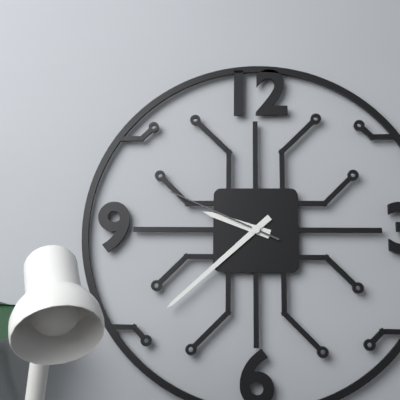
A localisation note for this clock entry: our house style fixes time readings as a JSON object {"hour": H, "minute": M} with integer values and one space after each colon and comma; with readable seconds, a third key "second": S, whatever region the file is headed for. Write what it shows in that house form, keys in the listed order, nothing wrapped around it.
{"hour": 9, "minute": 38, "second": 49}
